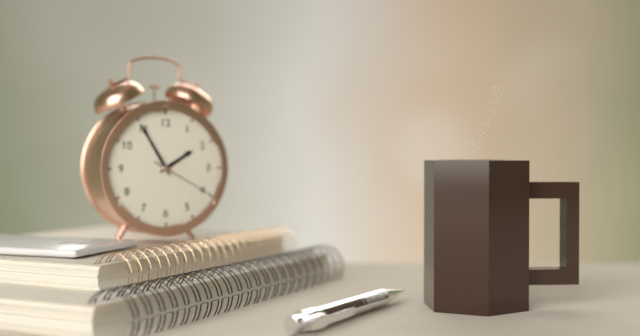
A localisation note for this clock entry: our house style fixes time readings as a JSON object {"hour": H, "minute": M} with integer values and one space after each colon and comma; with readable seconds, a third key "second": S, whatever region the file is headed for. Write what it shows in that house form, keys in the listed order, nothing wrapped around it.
{"hour": 1, "minute": 55, "second": 20}
